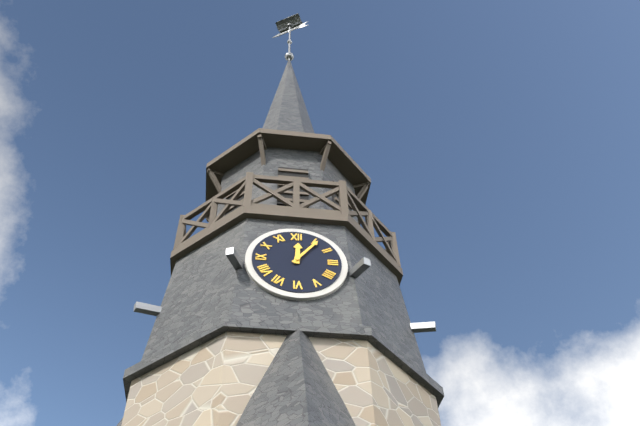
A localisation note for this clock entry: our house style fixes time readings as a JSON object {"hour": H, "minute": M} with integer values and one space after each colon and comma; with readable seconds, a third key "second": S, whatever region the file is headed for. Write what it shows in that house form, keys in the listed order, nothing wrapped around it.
{"hour": 12, "minute": 6}
